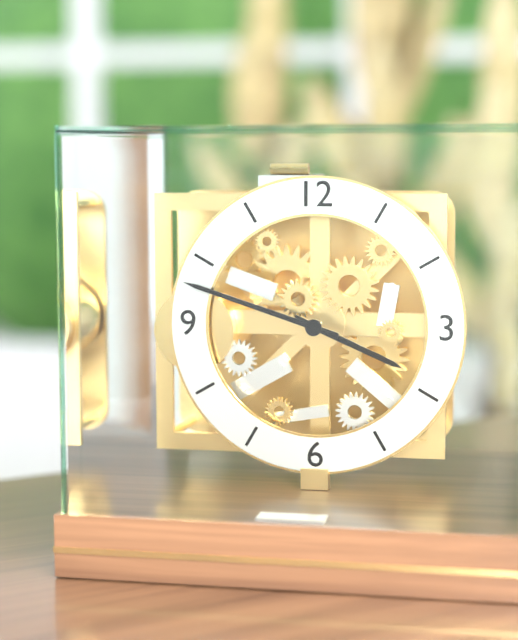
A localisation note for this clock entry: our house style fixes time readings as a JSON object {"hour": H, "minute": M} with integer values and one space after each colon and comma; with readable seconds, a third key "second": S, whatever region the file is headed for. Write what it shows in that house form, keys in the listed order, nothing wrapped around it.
{"hour": 3, "minute": 48}
